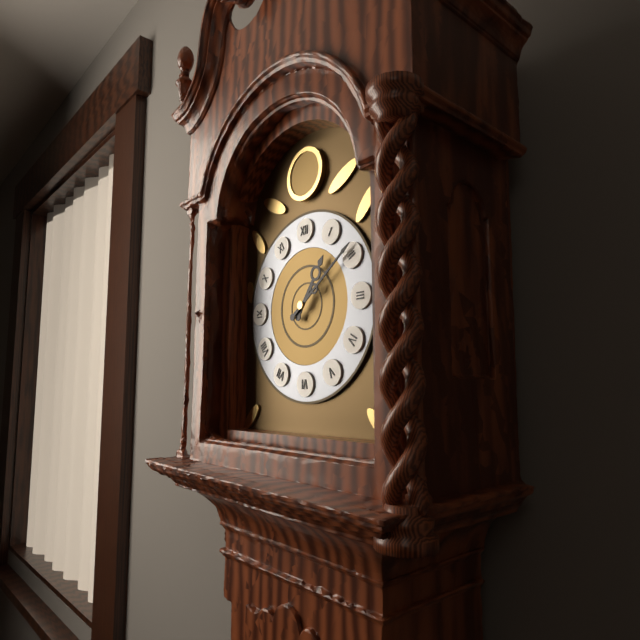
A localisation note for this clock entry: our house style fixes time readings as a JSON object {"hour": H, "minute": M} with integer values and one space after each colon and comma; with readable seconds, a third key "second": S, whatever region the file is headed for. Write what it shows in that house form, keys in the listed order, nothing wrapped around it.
{"hour": 1, "minute": 9}
